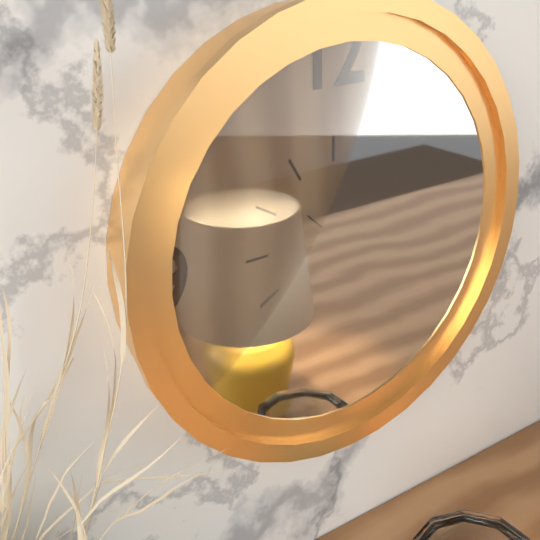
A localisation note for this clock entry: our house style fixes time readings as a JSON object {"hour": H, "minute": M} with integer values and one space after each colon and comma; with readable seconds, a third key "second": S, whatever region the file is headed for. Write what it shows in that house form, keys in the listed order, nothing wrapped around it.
{"hour": 3, "minute": 4, "second": 22}
